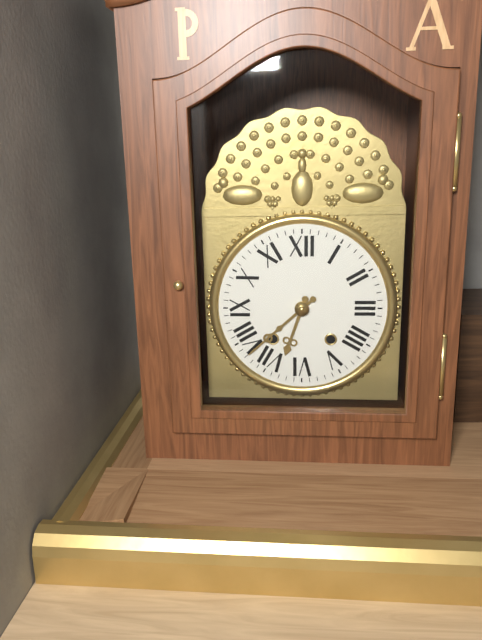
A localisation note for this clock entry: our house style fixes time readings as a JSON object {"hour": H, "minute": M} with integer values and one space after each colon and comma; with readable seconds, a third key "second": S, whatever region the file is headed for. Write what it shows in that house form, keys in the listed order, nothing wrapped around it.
{"hour": 6, "minute": 38}
